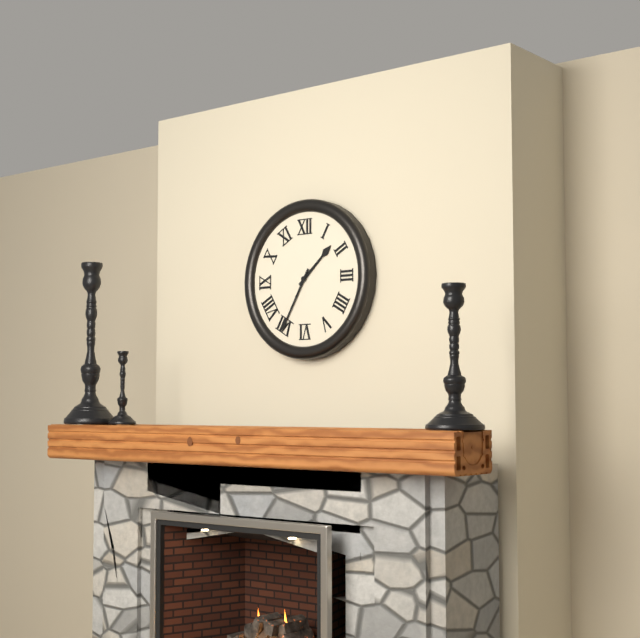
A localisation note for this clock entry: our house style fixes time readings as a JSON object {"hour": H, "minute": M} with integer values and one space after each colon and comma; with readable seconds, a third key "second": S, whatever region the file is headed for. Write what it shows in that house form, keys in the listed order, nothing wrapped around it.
{"hour": 1, "minute": 35}
